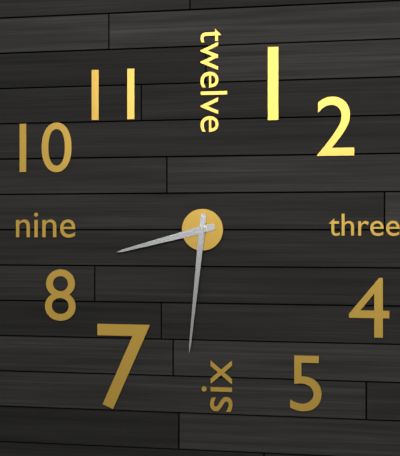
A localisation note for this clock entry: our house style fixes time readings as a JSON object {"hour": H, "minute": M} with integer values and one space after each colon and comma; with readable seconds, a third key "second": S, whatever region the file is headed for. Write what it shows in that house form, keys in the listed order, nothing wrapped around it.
{"hour": 8, "minute": 31}
